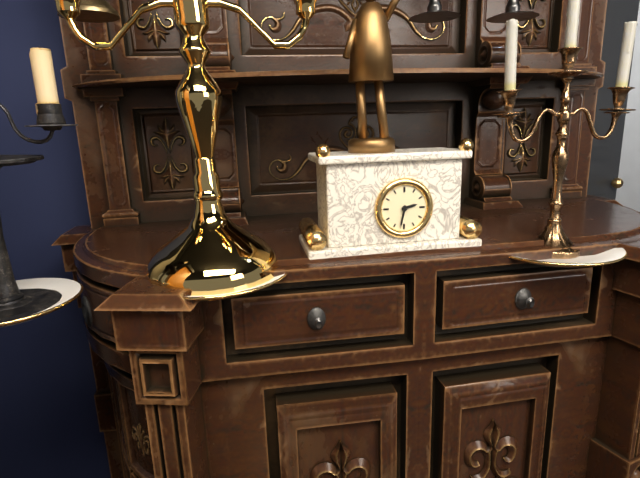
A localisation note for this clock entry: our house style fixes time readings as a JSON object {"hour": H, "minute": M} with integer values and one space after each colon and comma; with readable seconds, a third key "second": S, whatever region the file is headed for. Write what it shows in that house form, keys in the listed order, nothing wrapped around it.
{"hour": 2, "minute": 32}
